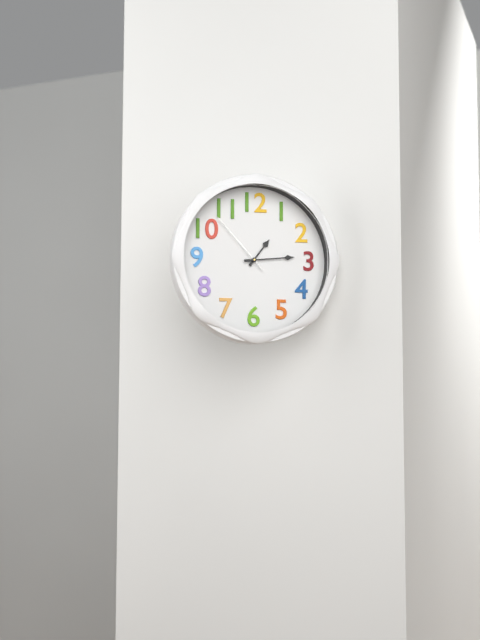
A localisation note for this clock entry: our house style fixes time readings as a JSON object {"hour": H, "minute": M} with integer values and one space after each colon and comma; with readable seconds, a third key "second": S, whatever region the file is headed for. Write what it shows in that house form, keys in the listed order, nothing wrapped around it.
{"hour": 1, "minute": 14, "second": 53}
